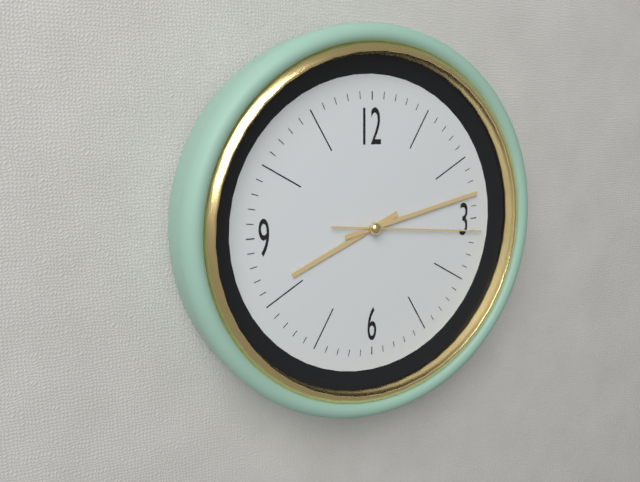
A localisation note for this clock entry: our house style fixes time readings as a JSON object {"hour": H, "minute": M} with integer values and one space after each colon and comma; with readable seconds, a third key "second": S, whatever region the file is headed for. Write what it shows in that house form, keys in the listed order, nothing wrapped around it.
{"hour": 8, "minute": 13, "second": 16}
